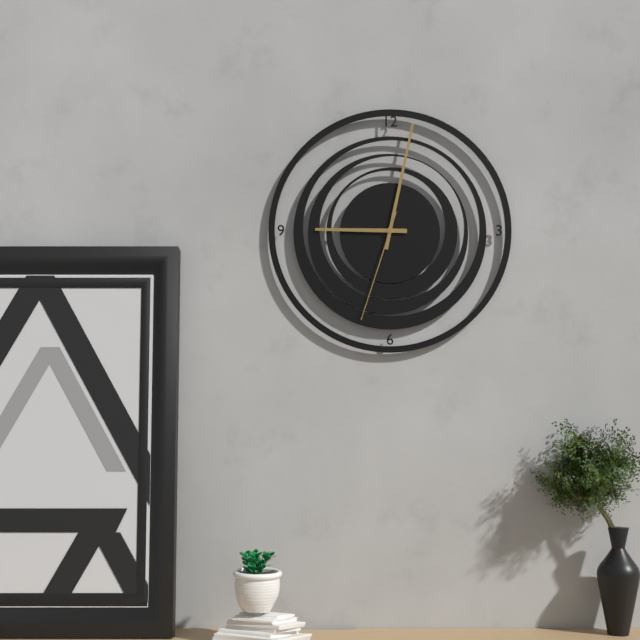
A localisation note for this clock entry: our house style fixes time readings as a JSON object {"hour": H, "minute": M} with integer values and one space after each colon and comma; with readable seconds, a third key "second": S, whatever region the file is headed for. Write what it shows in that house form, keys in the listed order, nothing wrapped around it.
{"hour": 9, "minute": 2, "second": 33}
